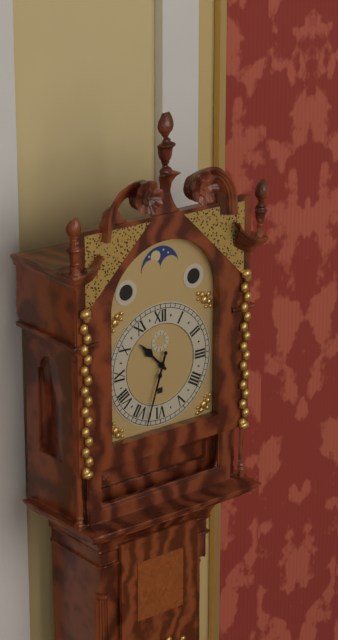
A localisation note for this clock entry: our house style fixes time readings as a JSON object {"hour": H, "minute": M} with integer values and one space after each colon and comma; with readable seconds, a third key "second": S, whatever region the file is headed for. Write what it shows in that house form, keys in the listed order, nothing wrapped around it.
{"hour": 10, "minute": 33}
